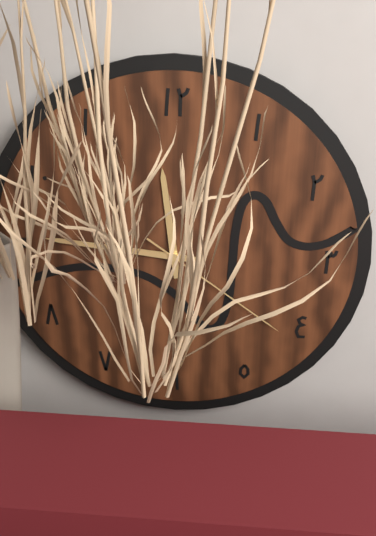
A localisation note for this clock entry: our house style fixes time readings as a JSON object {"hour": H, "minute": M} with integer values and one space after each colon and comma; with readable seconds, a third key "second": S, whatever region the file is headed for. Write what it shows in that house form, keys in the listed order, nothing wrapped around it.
{"hour": 11, "minute": 46, "second": 21}
